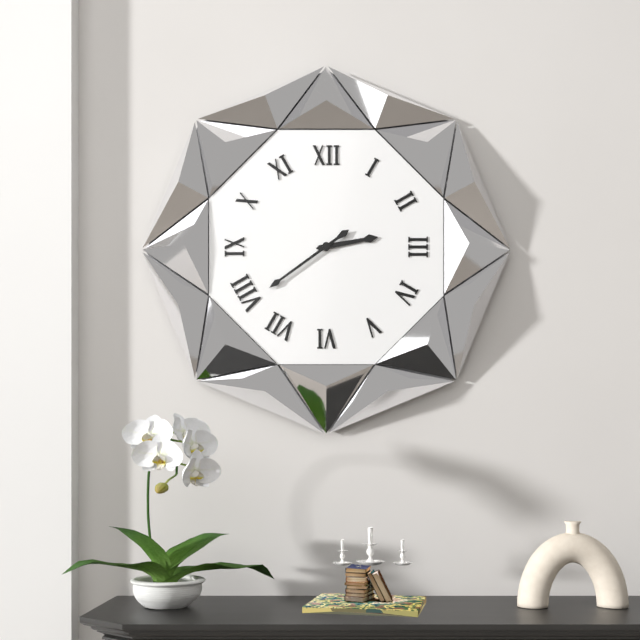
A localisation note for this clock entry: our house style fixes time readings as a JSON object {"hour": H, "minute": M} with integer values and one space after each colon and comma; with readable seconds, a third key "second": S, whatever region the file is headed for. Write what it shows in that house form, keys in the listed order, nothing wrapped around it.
{"hour": 2, "minute": 39}
